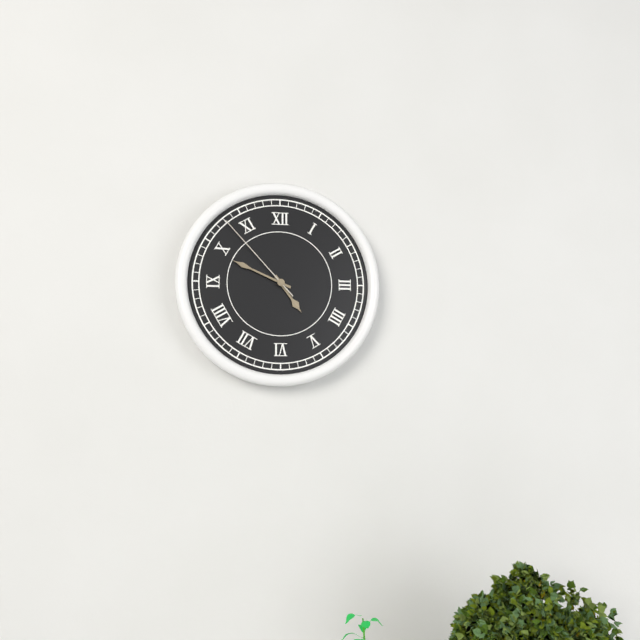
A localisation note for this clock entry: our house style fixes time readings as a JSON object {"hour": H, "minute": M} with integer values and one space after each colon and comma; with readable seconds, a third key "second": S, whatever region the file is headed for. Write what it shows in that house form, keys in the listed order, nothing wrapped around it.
{"hour": 4, "minute": 49, "second": 53}
